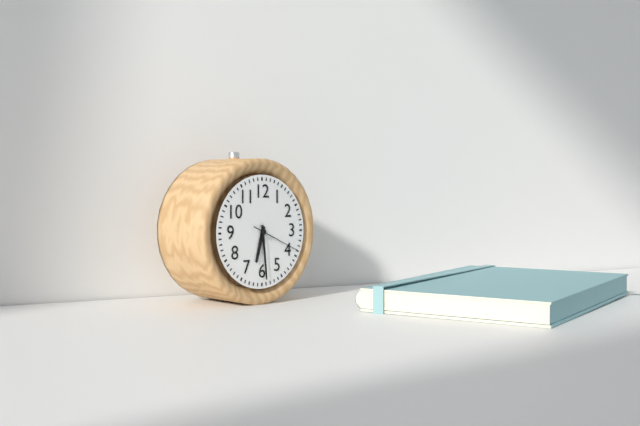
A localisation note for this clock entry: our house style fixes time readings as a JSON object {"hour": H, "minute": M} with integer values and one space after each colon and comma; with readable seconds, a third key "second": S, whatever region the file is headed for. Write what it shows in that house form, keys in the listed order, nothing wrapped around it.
{"hour": 6, "minute": 29, "second": 19}
